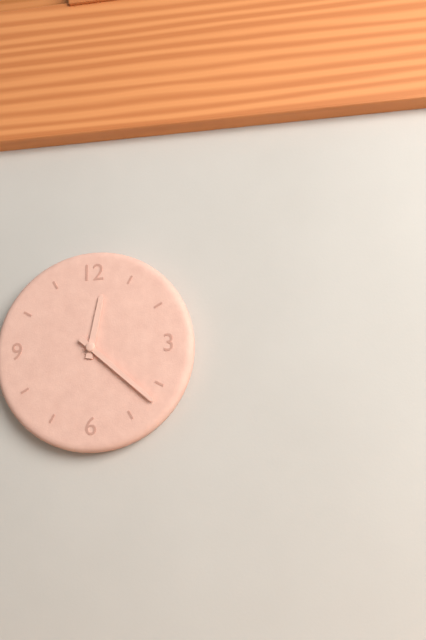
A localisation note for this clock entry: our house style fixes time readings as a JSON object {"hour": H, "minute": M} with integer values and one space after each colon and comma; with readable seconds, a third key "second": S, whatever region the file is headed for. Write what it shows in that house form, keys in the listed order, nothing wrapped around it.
{"hour": 12, "minute": 22}
